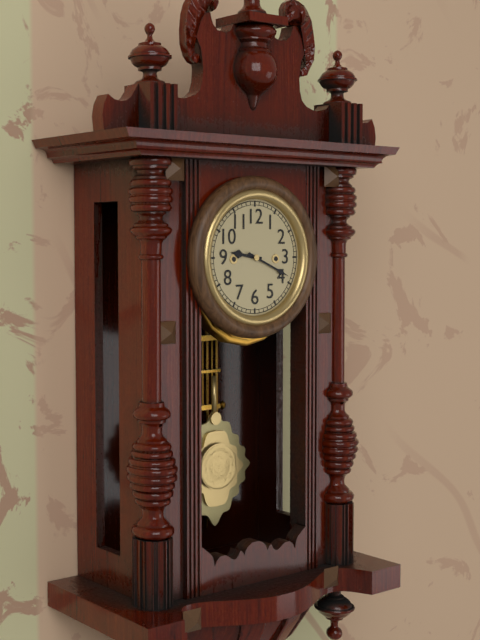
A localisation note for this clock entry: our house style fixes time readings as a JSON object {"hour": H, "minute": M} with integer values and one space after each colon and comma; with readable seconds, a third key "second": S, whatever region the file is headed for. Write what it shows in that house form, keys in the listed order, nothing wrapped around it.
{"hour": 9, "minute": 19}
